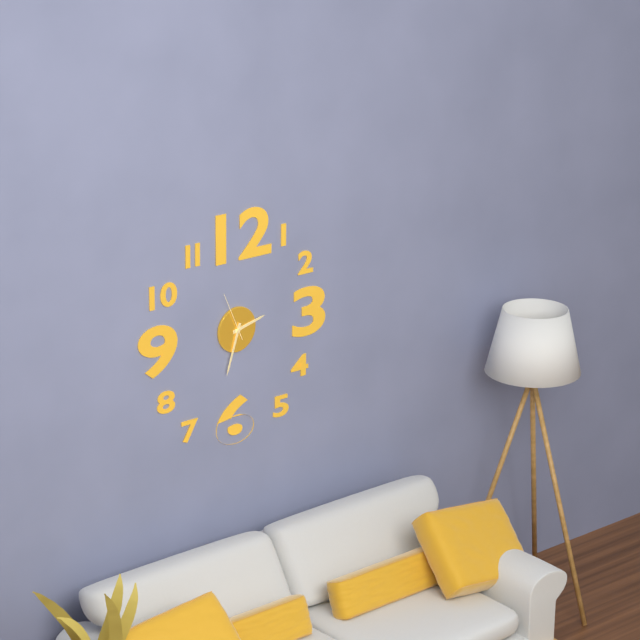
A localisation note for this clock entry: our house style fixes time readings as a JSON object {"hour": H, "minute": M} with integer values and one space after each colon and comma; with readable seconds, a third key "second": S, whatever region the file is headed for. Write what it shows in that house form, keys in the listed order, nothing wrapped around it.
{"hour": 2, "minute": 33}
